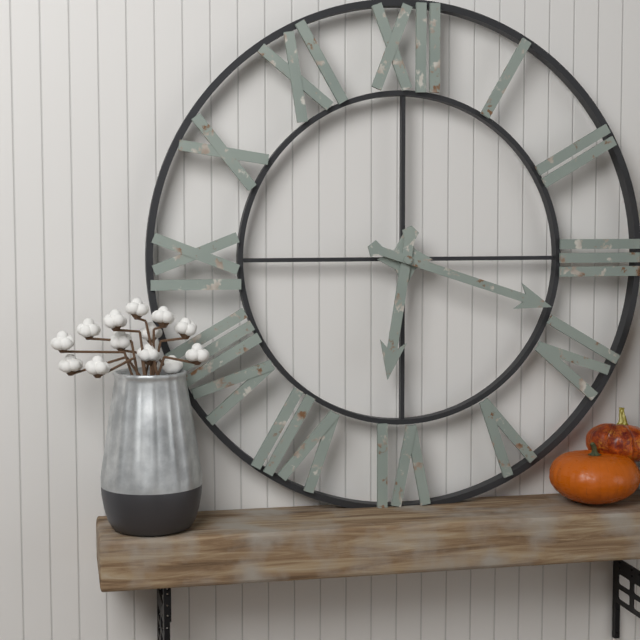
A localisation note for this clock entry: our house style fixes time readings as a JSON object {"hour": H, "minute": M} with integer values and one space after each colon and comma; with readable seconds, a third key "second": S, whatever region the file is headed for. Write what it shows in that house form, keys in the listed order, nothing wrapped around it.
{"hour": 6, "minute": 18}
